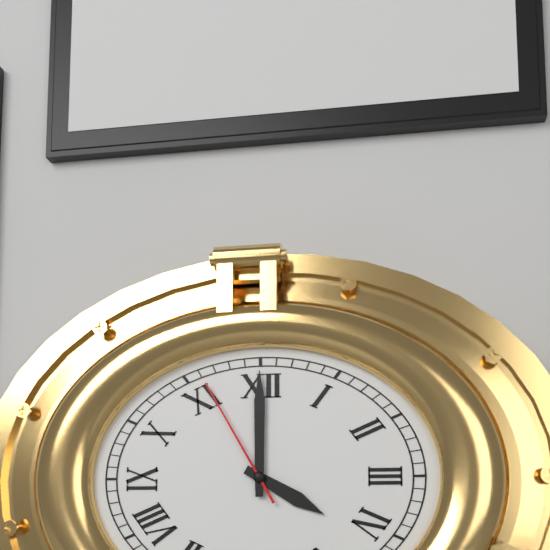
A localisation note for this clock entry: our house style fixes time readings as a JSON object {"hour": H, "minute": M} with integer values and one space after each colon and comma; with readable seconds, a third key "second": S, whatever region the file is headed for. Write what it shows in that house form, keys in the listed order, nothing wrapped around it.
{"hour": 4, "minute": 0, "second": 55}
